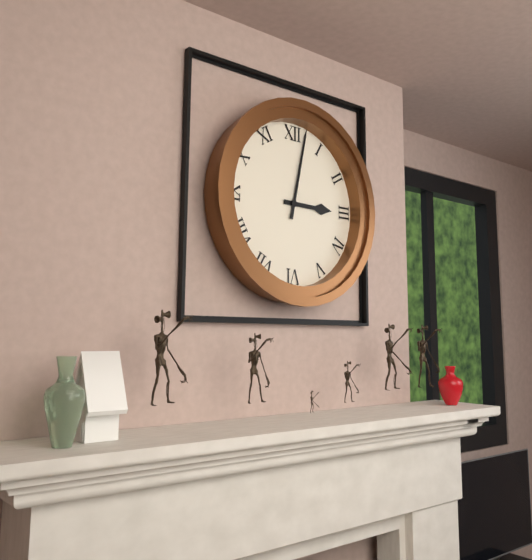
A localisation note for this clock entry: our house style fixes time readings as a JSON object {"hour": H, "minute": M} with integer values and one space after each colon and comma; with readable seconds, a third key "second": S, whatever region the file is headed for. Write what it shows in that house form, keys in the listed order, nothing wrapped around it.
{"hour": 3, "minute": 2}
